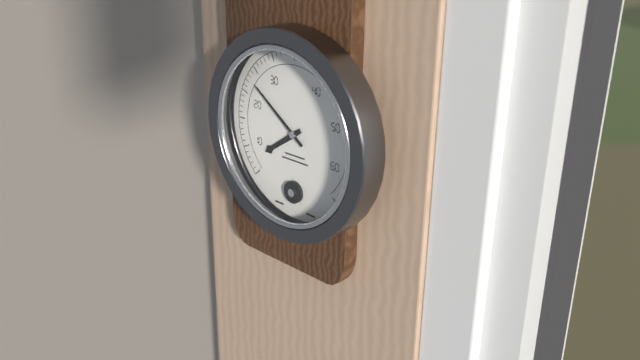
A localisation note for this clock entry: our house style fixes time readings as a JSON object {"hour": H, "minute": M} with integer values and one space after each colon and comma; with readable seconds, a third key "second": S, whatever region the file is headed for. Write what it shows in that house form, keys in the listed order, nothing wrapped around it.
{"hour": 7, "minute": 51}
